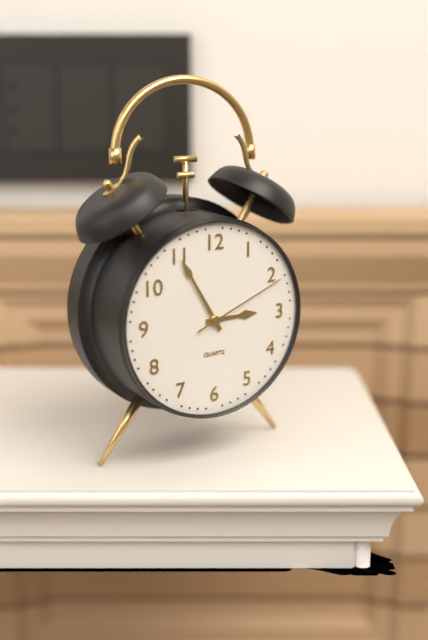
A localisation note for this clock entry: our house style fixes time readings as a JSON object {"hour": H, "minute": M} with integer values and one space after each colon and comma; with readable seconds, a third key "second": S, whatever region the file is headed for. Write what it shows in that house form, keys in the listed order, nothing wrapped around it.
{"hour": 2, "minute": 55, "second": 11}
